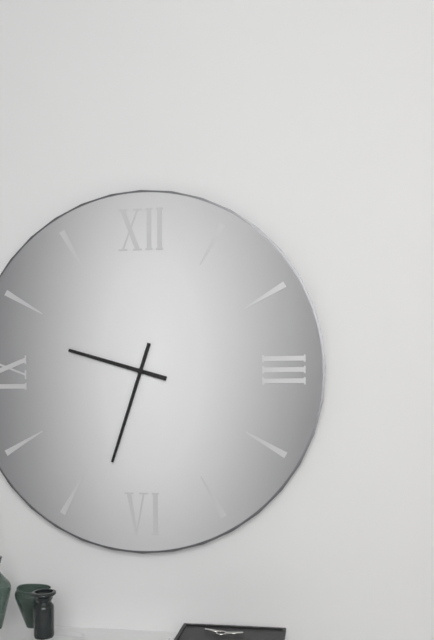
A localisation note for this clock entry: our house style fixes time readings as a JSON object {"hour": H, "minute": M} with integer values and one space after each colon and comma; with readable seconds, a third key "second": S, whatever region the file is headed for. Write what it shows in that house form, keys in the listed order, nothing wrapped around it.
{"hour": 9, "minute": 33}
